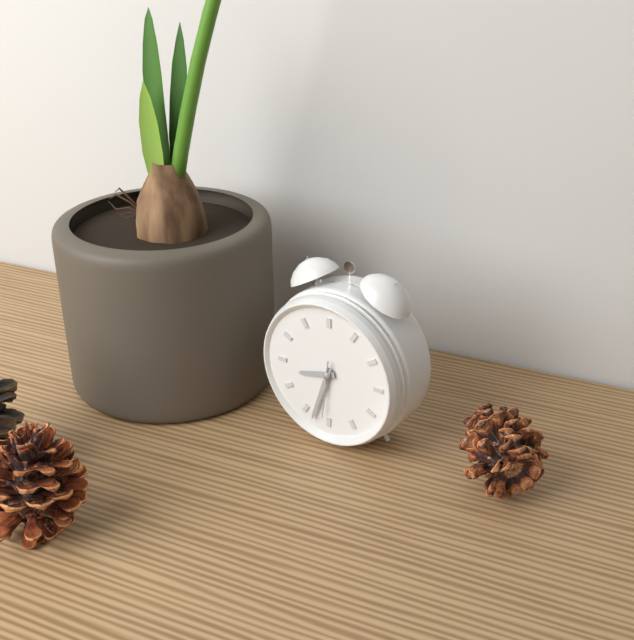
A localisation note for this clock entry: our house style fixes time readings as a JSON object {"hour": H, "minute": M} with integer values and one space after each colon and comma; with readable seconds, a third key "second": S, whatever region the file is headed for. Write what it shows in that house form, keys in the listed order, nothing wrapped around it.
{"hour": 8, "minute": 33, "second": 31}
